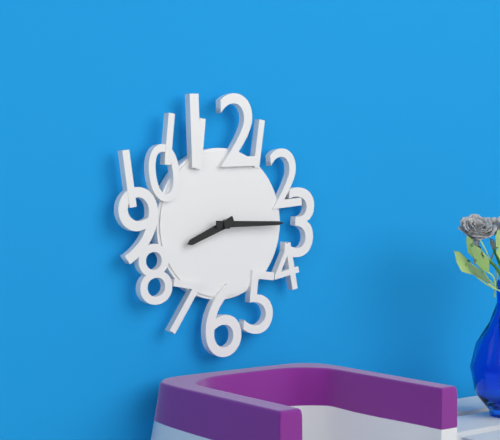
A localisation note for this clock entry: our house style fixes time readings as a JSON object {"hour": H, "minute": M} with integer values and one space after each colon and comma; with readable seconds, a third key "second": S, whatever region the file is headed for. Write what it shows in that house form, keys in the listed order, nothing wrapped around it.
{"hour": 8, "minute": 15}
